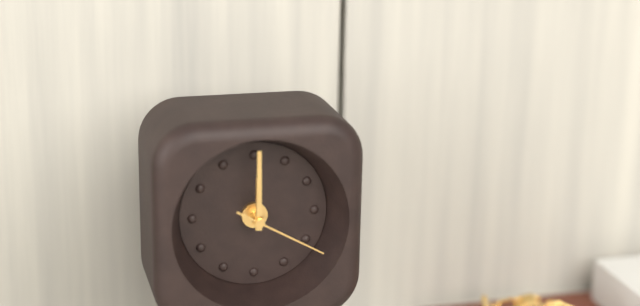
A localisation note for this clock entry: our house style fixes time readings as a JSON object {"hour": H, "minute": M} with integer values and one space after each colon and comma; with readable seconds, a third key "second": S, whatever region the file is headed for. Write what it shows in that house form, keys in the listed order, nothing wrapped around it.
{"hour": 12, "minute": 0, "second": 20}
